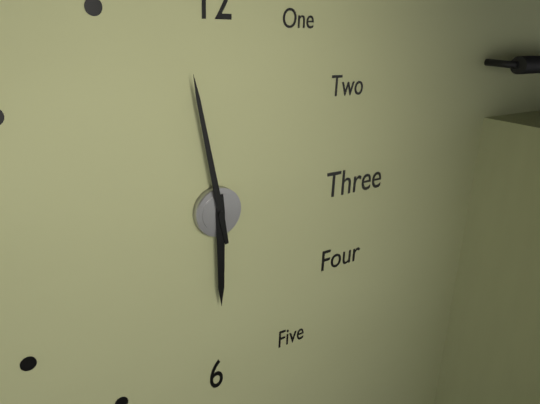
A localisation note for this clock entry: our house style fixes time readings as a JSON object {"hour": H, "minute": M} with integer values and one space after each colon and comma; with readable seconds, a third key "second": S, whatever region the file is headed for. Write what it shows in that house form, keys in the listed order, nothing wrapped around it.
{"hour": 5, "minute": 58}
